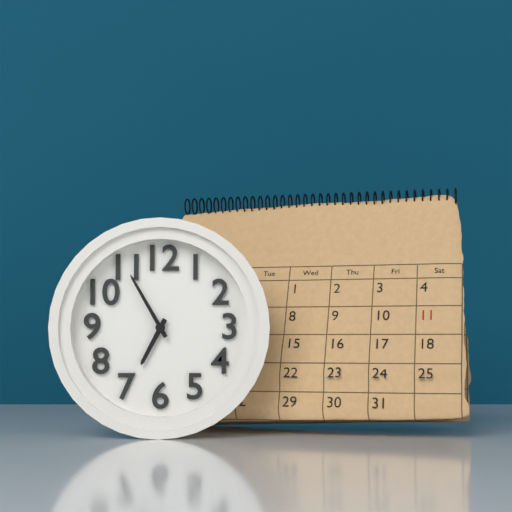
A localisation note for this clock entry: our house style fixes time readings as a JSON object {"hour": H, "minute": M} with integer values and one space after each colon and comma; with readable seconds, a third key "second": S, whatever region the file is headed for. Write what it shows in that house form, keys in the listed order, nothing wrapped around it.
{"hour": 6, "minute": 55}
